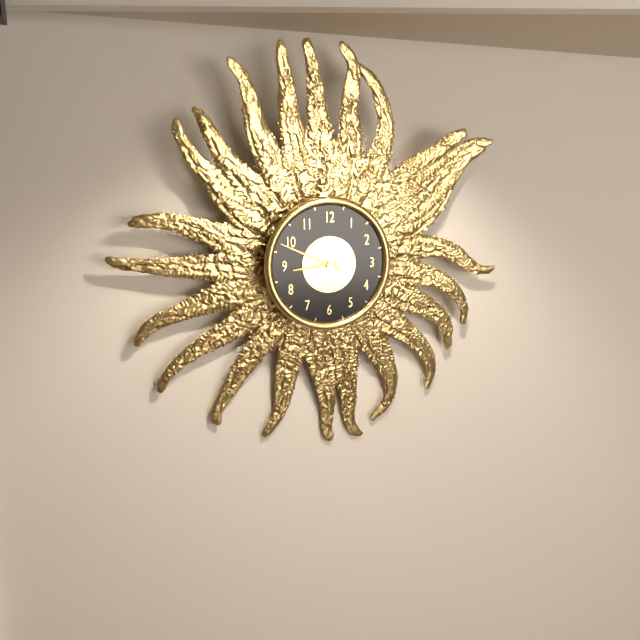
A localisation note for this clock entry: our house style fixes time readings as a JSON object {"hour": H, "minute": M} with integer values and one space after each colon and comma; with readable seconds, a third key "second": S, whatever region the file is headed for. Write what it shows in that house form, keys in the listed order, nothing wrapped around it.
{"hour": 8, "minute": 49}
